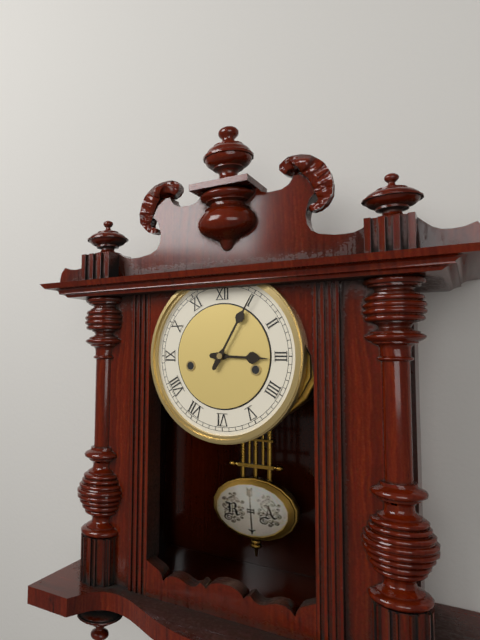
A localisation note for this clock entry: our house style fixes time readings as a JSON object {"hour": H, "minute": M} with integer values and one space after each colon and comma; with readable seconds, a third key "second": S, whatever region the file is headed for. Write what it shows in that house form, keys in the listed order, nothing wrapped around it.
{"hour": 3, "minute": 5}
